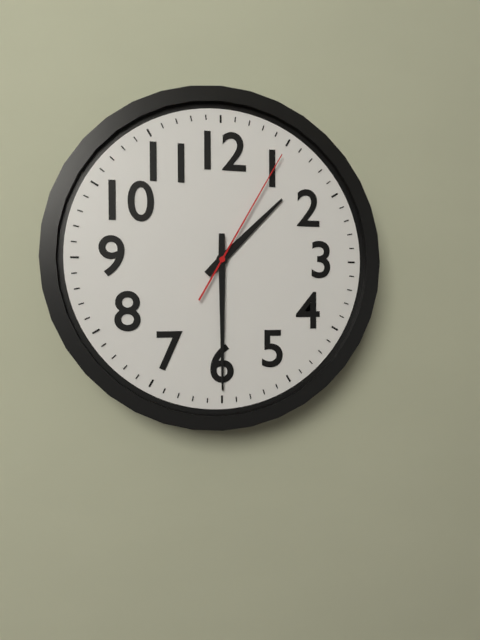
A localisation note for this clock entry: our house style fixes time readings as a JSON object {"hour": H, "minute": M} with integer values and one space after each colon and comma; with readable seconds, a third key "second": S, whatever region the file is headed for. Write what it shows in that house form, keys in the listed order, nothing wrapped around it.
{"hour": 1, "minute": 30, "second": 5}
